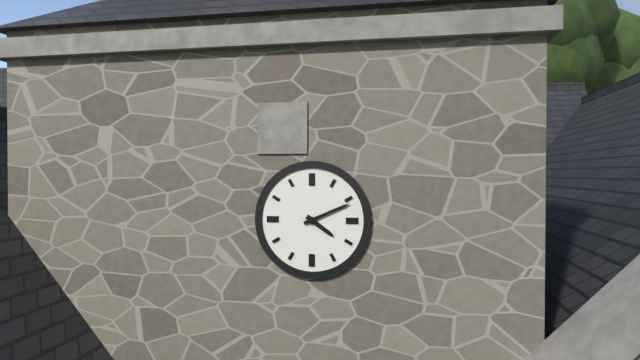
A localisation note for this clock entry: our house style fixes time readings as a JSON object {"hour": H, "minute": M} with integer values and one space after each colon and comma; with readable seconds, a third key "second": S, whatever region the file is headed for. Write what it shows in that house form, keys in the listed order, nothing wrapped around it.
{"hour": 4, "minute": 11}
